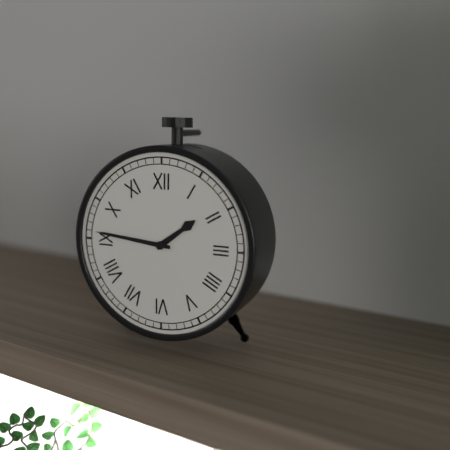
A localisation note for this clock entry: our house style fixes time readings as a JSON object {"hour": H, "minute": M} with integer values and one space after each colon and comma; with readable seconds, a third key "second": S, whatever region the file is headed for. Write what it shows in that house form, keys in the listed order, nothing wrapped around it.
{"hour": 1, "minute": 46}
